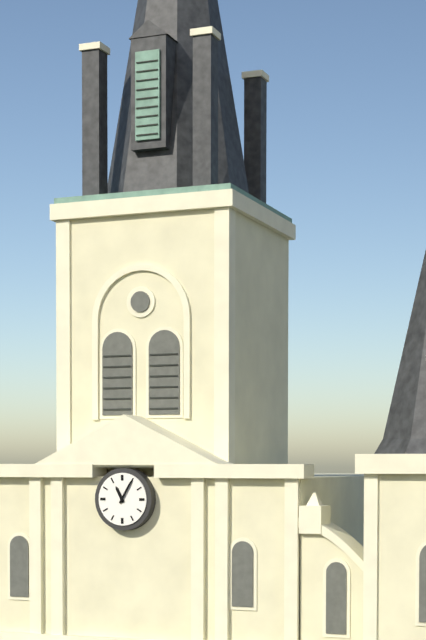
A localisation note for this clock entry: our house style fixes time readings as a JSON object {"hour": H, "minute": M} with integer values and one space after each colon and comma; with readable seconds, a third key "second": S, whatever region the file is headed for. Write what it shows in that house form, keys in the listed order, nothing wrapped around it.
{"hour": 11, "minute": 5}
